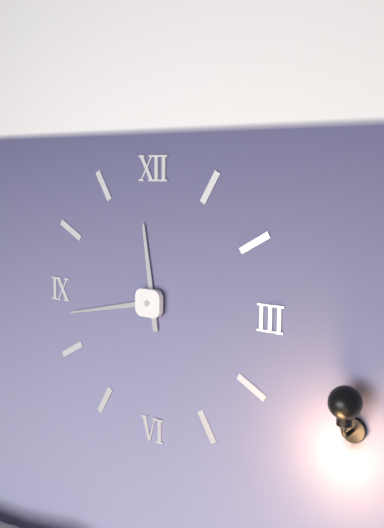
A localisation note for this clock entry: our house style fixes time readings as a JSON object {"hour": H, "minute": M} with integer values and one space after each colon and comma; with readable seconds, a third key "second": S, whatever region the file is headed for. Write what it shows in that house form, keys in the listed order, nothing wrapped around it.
{"hour": 11, "minute": 43}
